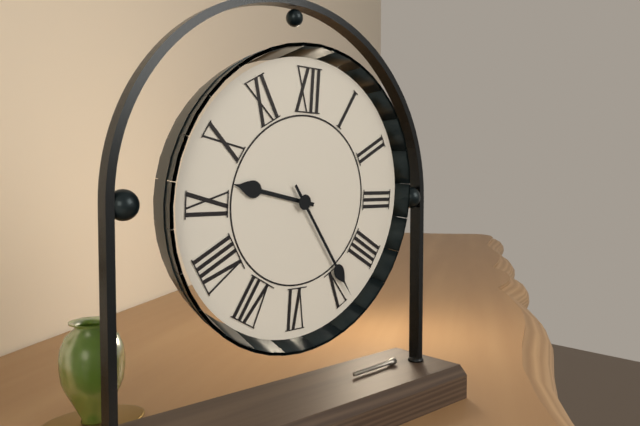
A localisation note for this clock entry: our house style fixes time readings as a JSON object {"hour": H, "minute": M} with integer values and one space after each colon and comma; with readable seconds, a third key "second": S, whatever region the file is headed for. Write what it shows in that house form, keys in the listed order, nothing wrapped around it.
{"hour": 9, "minute": 24}
